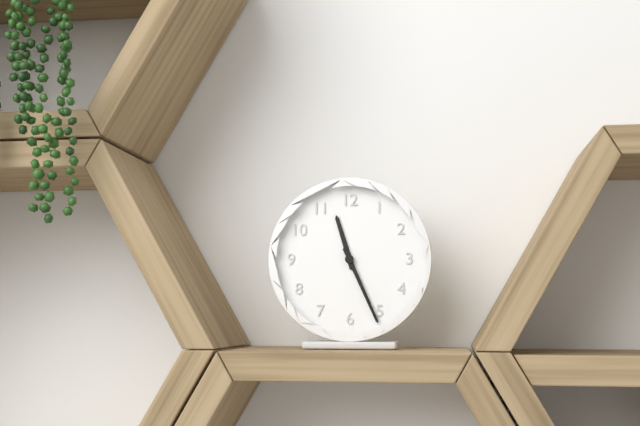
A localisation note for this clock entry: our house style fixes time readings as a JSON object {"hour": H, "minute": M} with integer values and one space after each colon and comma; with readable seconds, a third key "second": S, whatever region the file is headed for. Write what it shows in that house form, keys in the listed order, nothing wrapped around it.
{"hour": 11, "minute": 26}
